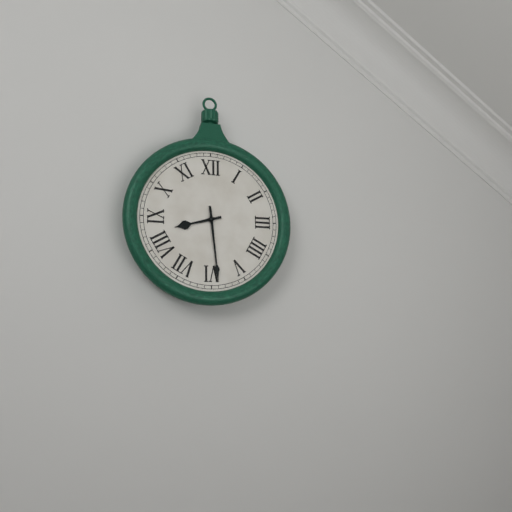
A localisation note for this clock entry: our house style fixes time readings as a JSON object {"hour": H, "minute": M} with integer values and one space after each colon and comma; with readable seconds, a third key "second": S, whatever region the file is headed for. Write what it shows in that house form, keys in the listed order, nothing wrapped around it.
{"hour": 8, "minute": 29}
